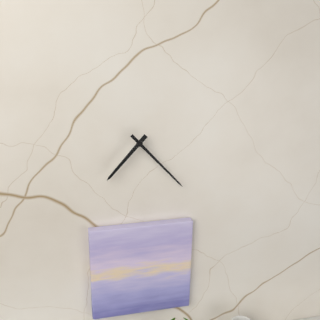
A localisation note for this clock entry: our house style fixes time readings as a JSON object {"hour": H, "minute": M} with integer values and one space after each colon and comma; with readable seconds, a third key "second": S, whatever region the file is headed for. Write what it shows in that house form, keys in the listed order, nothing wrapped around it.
{"hour": 7, "minute": 23}
